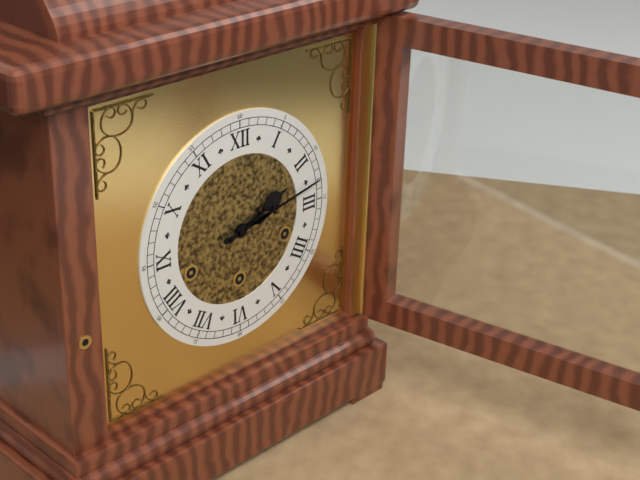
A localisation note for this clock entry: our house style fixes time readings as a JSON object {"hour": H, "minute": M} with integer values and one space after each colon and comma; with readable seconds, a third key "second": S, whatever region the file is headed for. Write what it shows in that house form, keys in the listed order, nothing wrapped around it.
{"hour": 2, "minute": 13}
